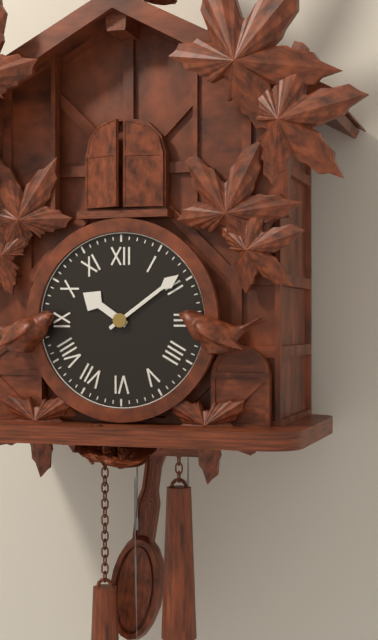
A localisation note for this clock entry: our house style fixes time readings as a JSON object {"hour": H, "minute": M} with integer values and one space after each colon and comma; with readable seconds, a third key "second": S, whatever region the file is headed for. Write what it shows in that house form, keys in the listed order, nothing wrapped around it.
{"hour": 10, "minute": 9}
